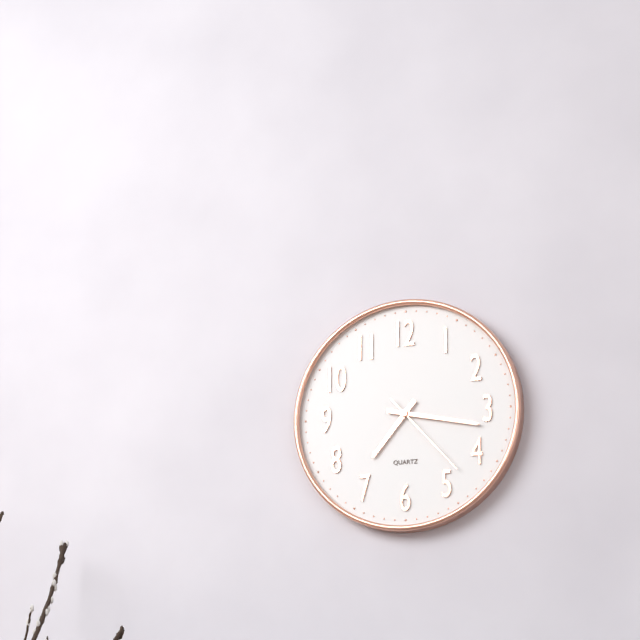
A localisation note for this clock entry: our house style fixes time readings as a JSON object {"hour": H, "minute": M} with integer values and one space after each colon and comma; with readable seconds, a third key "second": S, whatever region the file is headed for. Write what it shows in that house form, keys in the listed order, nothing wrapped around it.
{"hour": 7, "minute": 17, "second": 23}
